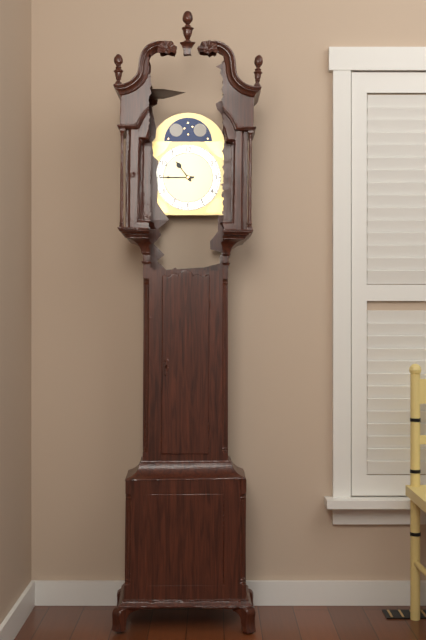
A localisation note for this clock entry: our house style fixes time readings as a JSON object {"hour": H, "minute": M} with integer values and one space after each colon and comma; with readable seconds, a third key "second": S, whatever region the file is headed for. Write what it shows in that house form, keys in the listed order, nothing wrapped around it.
{"hour": 10, "minute": 45}
